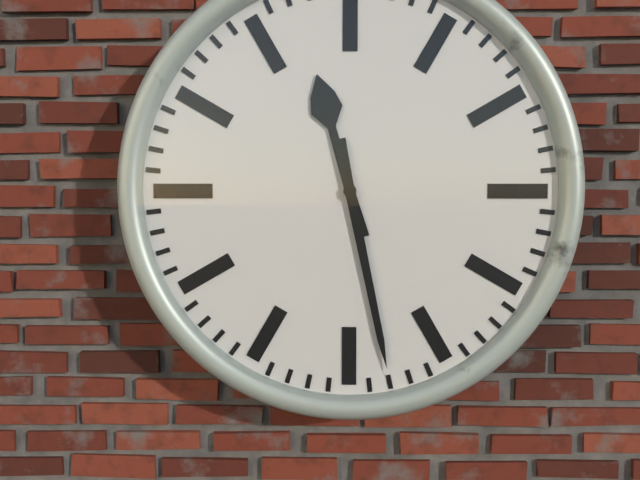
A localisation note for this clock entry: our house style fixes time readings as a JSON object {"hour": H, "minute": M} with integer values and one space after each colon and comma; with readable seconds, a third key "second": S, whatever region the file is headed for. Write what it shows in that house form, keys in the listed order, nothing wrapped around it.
{"hour": 11, "minute": 28}
